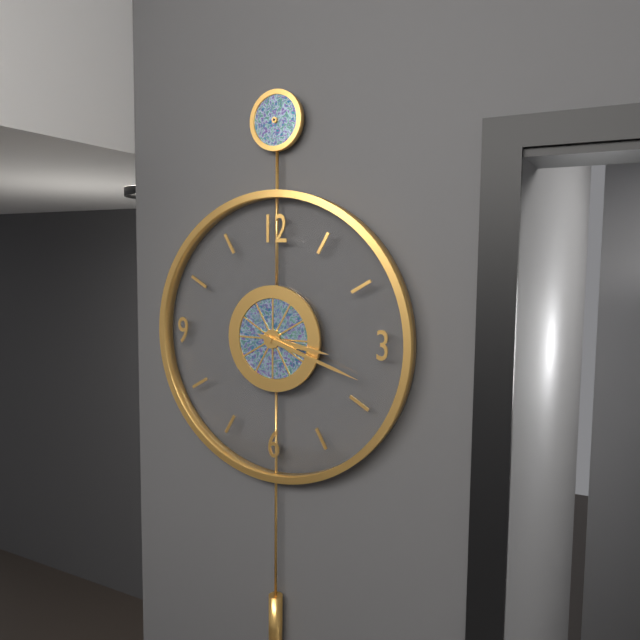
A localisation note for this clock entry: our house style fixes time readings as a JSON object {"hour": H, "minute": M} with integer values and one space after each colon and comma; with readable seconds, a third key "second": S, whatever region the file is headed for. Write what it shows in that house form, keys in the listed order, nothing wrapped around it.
{"hour": 3, "minute": 18}
